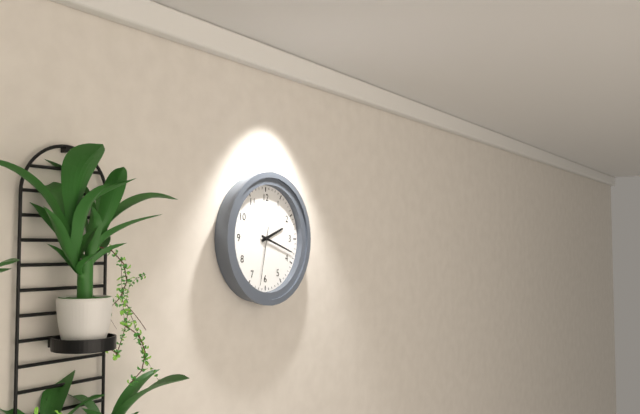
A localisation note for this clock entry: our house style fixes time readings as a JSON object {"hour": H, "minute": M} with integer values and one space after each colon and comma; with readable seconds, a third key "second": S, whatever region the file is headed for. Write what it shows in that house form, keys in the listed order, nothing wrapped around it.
{"hour": 2, "minute": 18, "second": 32}
